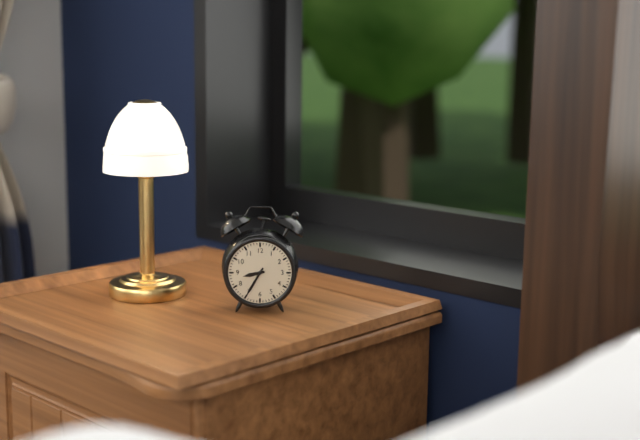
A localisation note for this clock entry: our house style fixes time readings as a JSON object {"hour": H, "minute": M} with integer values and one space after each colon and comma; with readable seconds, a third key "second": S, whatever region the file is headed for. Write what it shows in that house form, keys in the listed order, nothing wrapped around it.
{"hour": 8, "minute": 35}
